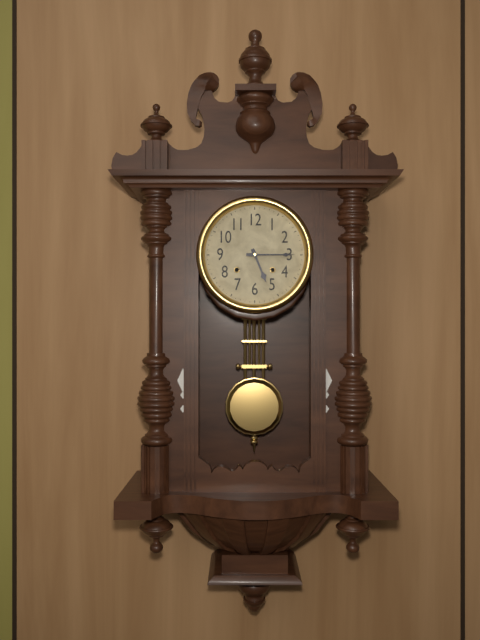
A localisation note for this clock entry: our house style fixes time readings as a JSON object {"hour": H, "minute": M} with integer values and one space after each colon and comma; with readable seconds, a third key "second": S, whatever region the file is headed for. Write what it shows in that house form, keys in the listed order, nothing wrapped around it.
{"hour": 5, "minute": 15}
